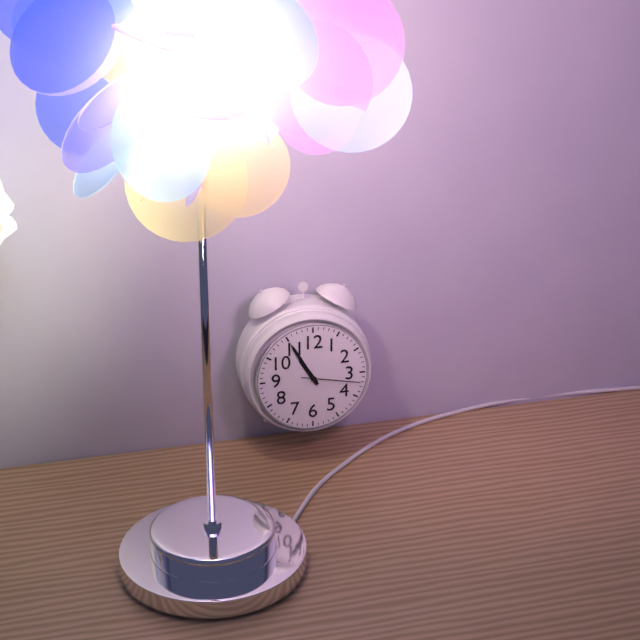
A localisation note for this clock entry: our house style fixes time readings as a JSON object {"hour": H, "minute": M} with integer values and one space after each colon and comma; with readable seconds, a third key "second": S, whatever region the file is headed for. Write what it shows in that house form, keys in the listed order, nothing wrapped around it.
{"hour": 10, "minute": 55, "second": 17}
